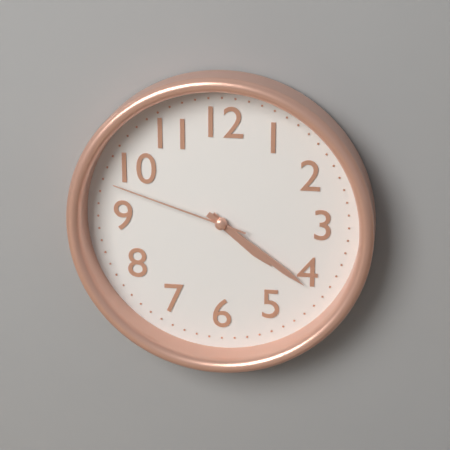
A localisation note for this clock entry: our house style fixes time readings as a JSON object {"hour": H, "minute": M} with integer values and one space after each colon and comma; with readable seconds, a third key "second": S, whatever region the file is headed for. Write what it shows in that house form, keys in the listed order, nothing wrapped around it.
{"hour": 4, "minute": 21, "second": 48}
